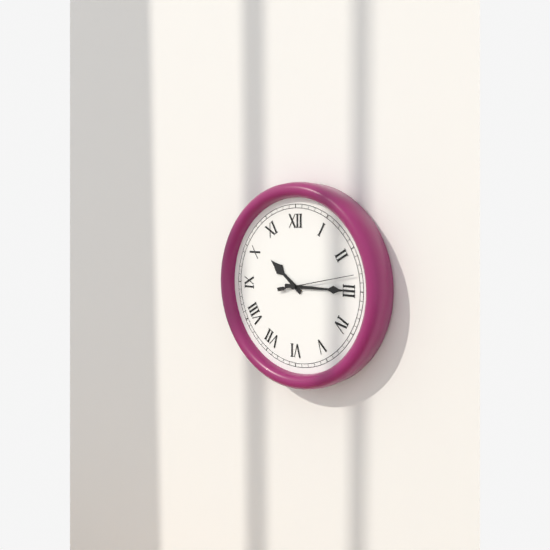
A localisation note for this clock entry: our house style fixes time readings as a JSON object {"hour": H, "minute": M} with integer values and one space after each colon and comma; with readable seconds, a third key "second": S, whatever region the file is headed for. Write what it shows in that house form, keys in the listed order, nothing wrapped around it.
{"hour": 10, "minute": 15, "second": 13}
